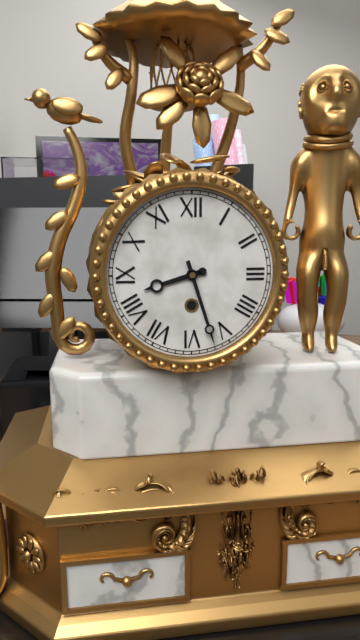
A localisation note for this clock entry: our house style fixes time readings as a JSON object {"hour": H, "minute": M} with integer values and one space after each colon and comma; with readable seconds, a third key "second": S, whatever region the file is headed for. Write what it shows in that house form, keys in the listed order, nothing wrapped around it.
{"hour": 8, "minute": 27}
